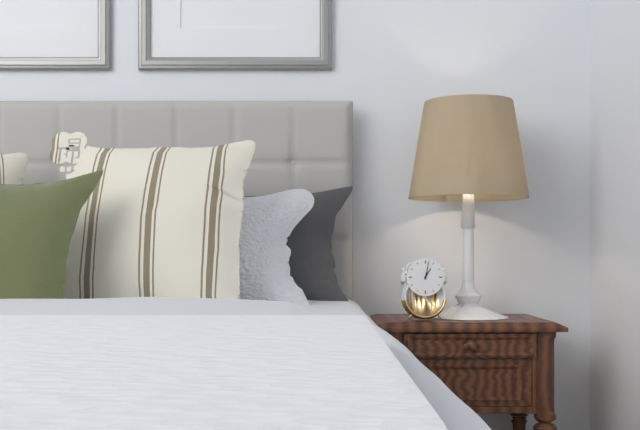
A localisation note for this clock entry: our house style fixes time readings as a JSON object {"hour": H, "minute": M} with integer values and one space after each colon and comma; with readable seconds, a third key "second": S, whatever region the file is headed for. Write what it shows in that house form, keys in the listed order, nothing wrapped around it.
{"hour": 1, "minute": 2}
